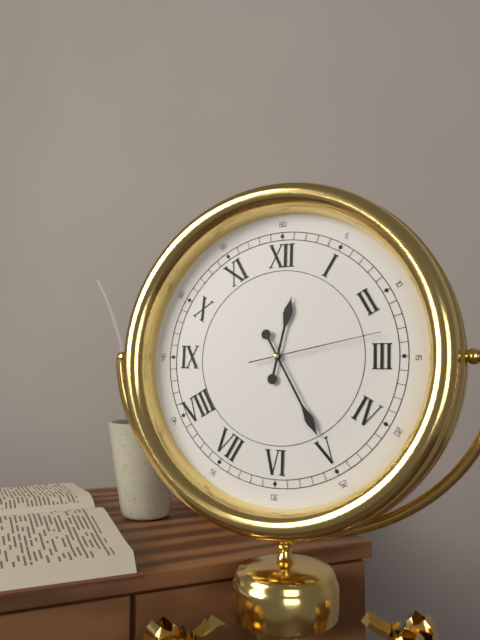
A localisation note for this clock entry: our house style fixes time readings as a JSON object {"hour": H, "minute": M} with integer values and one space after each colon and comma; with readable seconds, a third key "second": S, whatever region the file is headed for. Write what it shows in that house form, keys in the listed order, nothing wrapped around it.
{"hour": 12, "minute": 25, "second": 13}
